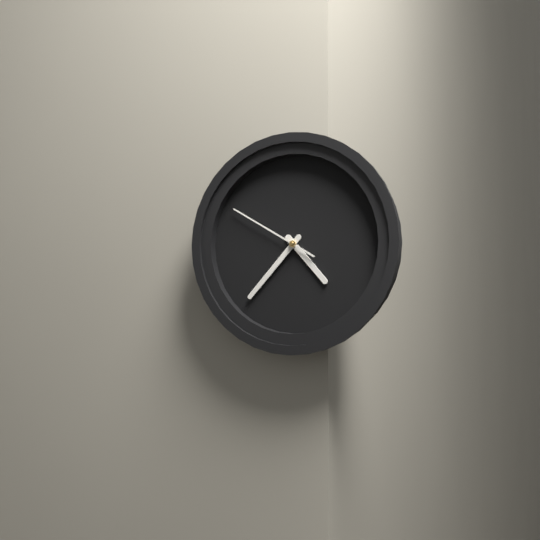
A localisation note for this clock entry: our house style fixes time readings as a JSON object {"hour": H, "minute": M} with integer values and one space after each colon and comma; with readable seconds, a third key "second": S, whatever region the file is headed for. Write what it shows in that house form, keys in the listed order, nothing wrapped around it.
{"hour": 4, "minute": 37, "second": 50}
